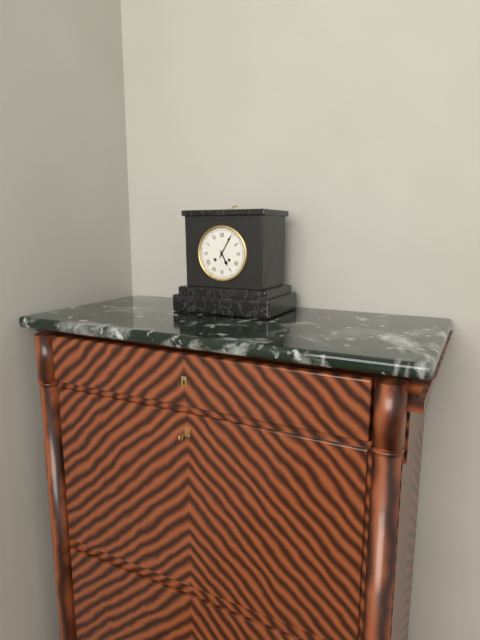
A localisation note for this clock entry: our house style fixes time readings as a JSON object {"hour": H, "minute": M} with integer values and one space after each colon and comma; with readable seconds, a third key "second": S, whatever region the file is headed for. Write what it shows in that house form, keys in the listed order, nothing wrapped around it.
{"hour": 5, "minute": 5}
